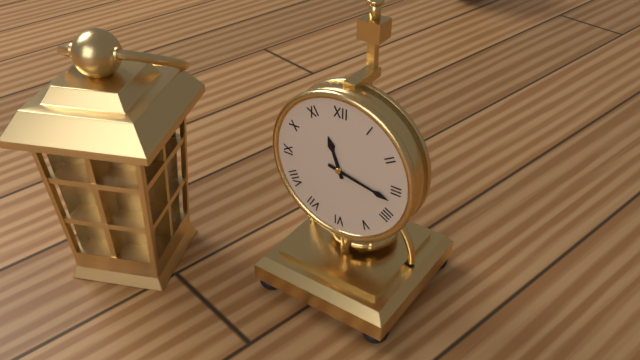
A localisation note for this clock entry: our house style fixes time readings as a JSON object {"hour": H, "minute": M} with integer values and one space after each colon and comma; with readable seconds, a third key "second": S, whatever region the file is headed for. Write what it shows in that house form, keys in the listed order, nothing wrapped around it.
{"hour": 11, "minute": 17}
